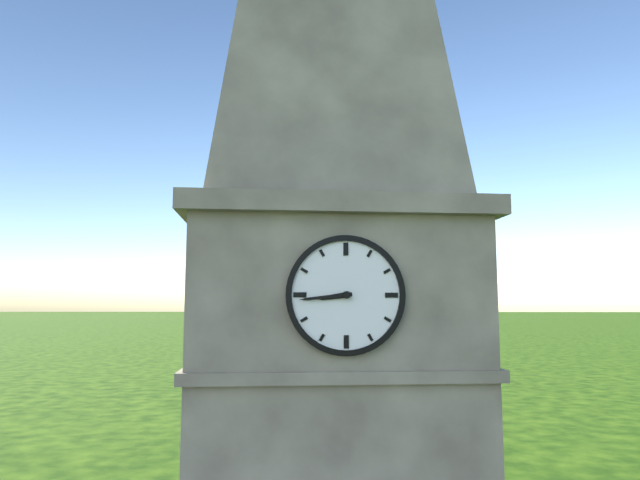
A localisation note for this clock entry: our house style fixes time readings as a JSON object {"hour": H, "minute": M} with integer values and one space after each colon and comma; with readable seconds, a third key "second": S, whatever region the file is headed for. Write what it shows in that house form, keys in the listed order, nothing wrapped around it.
{"hour": 8, "minute": 44}
